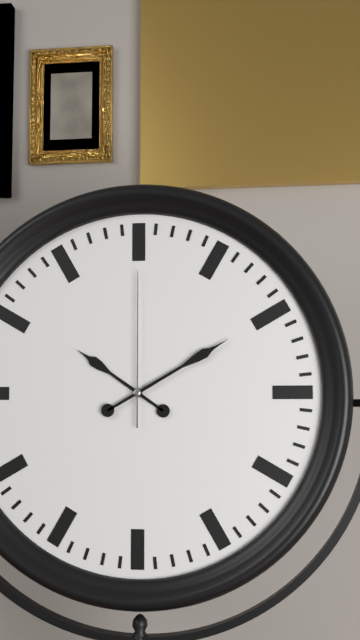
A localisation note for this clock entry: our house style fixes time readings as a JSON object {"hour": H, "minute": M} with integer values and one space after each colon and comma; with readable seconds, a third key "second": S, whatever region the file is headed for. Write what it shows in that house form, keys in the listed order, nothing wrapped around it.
{"hour": 10, "minute": 10, "second": 0}
